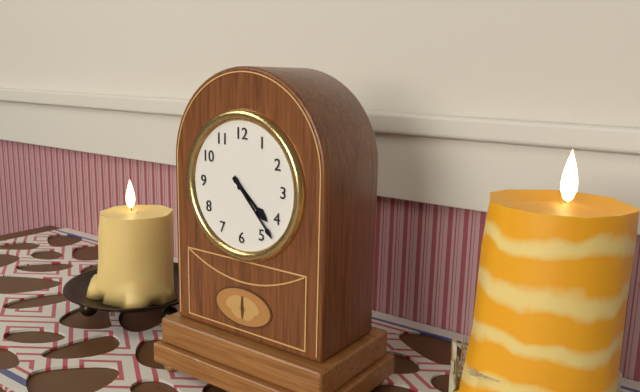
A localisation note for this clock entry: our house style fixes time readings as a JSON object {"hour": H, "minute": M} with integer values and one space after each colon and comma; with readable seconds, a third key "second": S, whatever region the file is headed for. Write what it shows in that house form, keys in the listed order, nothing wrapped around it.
{"hour": 4, "minute": 23}
